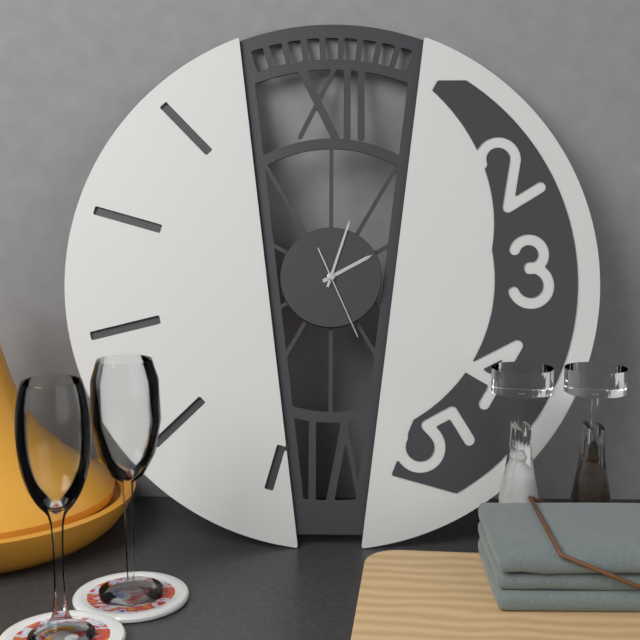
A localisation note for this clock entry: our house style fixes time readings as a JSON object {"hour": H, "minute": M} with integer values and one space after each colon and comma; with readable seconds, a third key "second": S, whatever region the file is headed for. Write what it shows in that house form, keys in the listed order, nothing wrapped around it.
{"hour": 2, "minute": 3, "second": 26}
